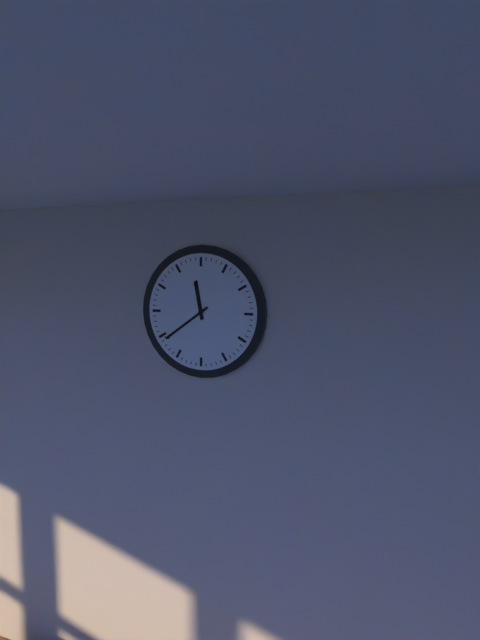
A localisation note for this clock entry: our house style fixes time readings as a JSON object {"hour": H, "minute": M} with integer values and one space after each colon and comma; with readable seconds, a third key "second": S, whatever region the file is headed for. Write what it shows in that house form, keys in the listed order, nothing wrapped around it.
{"hour": 11, "minute": 39}
